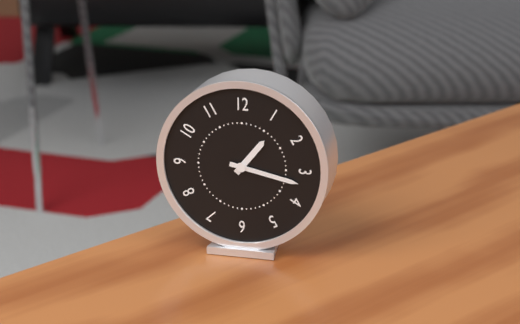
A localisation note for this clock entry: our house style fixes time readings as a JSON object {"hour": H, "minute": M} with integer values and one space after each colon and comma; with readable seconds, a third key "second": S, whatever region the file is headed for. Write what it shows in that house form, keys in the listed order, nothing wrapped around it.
{"hour": 1, "minute": 17}
